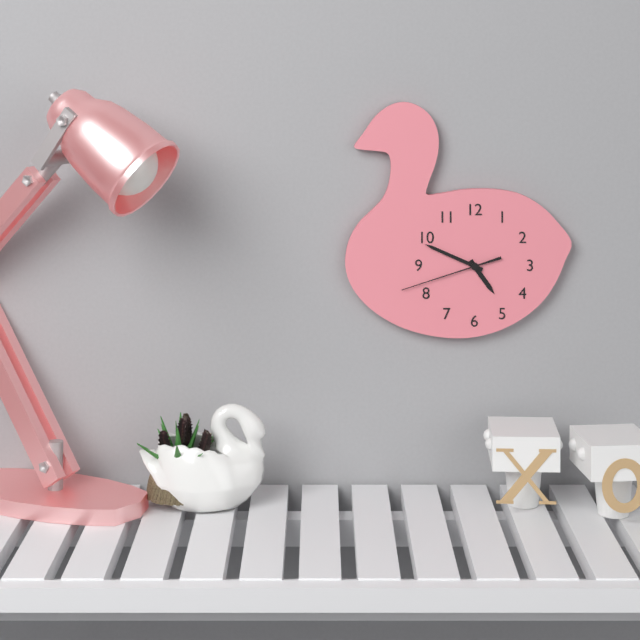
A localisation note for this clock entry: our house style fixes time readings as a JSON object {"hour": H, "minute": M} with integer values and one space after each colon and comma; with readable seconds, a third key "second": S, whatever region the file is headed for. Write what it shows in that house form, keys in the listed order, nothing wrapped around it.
{"hour": 4, "minute": 49, "second": 42}
